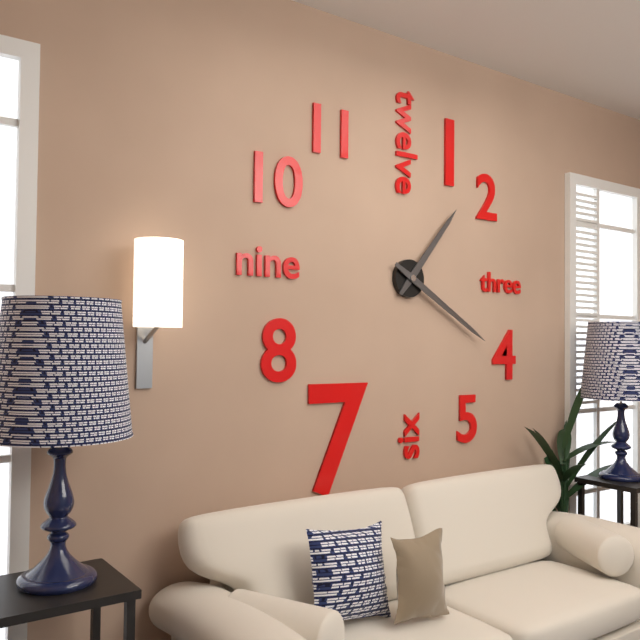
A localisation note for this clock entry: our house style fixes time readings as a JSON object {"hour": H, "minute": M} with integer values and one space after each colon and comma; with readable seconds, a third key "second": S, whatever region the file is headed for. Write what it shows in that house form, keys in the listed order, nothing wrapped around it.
{"hour": 1, "minute": 20}
